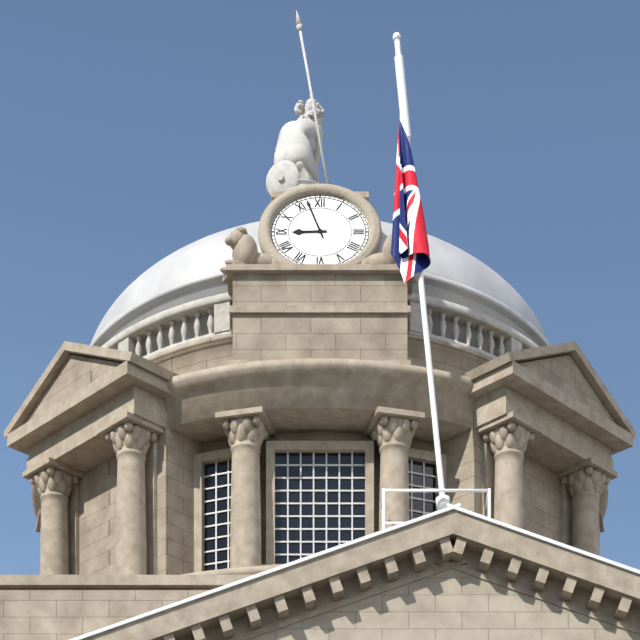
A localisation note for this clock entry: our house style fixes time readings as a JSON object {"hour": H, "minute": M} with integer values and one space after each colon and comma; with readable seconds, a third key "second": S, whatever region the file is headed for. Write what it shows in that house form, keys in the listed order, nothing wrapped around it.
{"hour": 8, "minute": 57}
